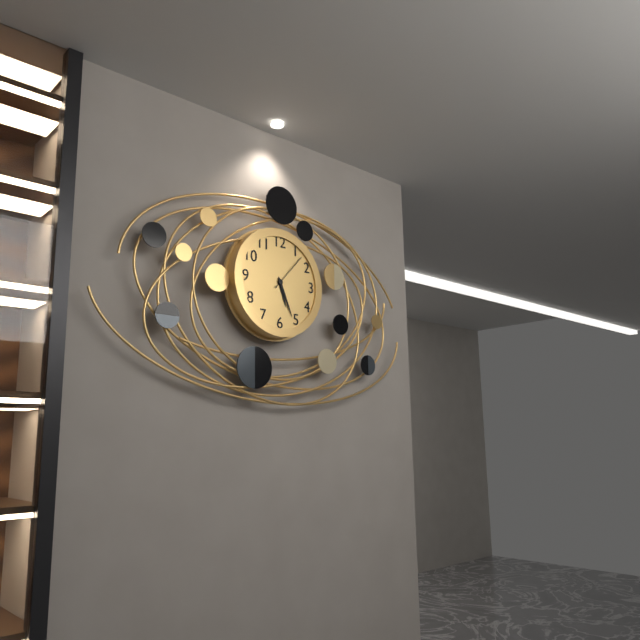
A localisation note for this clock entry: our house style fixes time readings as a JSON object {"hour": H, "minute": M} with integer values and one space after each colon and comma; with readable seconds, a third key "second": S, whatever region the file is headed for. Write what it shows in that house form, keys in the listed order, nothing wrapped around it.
{"hour": 5, "minute": 26}
